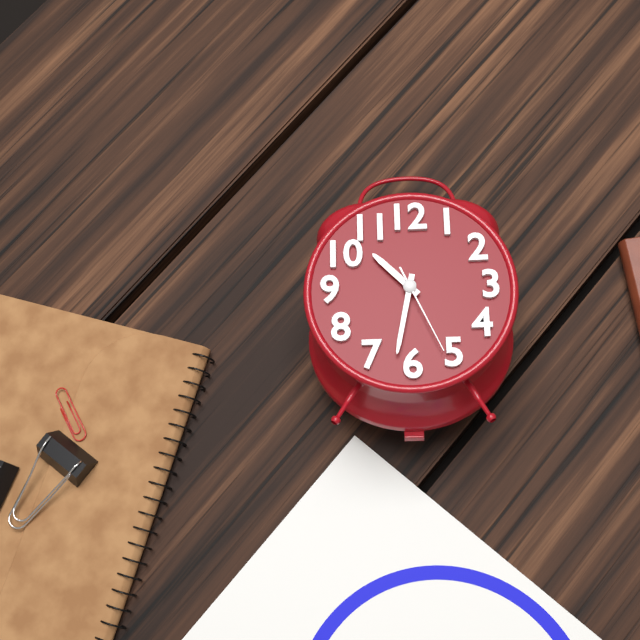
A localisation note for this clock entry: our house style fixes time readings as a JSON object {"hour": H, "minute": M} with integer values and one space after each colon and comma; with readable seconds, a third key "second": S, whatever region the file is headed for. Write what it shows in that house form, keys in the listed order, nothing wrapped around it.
{"hour": 10, "minute": 32, "second": 26}
